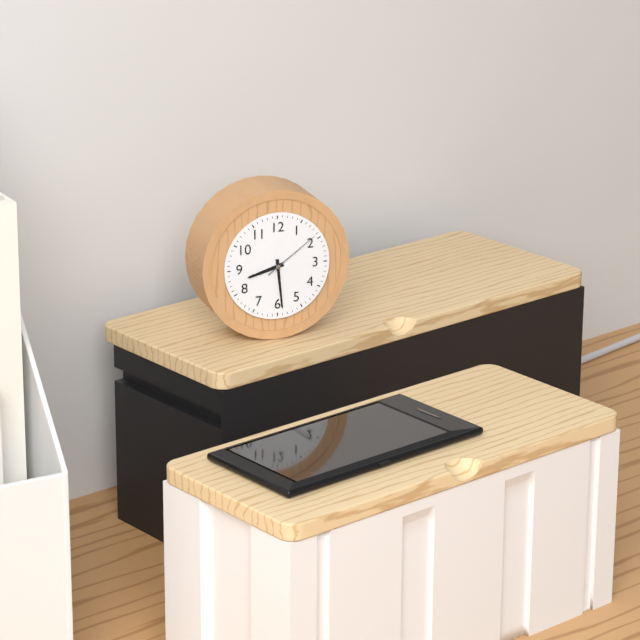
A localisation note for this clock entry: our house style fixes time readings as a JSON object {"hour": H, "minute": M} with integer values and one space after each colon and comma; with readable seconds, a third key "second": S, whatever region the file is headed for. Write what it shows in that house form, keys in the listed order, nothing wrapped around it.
{"hour": 8, "minute": 29, "second": 9}
